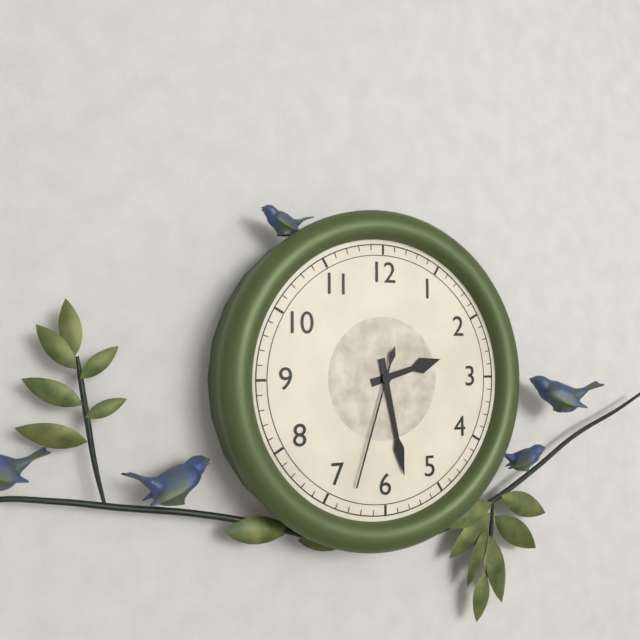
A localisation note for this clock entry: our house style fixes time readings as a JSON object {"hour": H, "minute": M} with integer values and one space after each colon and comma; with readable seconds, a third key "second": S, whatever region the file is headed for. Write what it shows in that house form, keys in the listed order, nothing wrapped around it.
{"hour": 2, "minute": 28, "second": 33}
